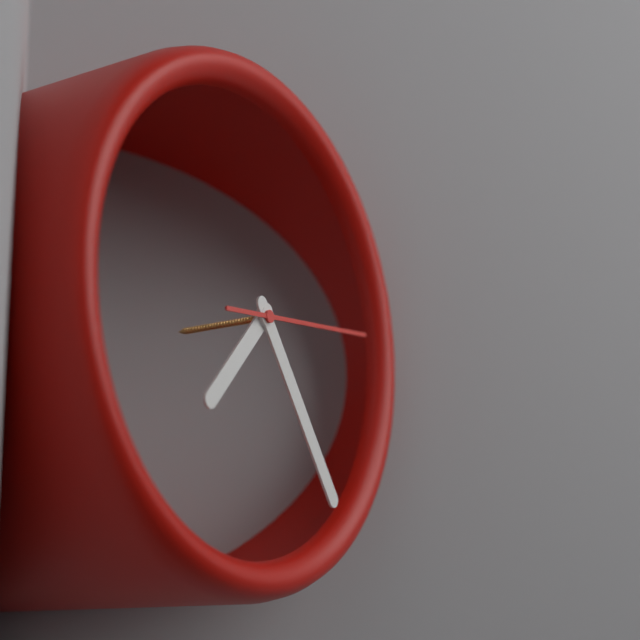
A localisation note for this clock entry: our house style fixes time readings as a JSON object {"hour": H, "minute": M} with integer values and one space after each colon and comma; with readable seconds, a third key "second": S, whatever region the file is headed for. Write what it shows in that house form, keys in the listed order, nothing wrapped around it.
{"hour": 7, "minute": 24, "second": 14}
